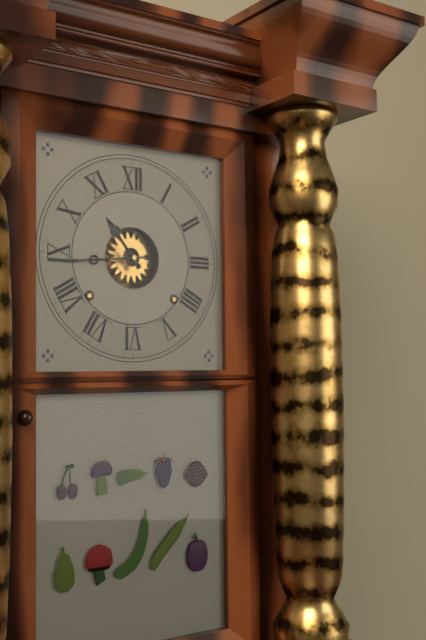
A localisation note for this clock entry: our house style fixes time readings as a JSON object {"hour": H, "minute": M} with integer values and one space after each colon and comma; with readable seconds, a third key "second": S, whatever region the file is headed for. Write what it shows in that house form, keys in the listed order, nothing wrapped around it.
{"hour": 10, "minute": 44}
